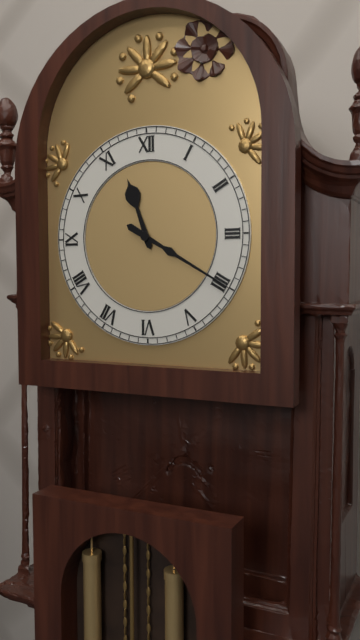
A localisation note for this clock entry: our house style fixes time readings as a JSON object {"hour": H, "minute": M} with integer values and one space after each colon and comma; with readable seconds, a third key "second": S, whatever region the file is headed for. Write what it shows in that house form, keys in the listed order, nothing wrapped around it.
{"hour": 11, "minute": 20}
